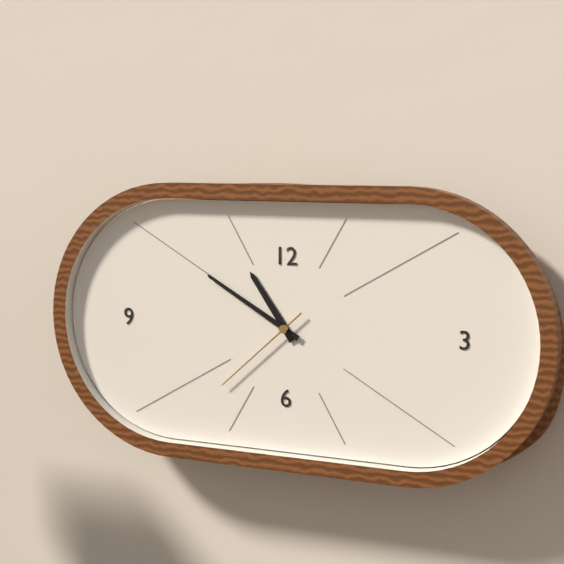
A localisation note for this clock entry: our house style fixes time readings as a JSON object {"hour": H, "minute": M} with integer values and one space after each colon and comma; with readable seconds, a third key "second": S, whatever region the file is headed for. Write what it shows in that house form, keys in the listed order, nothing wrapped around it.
{"hour": 10, "minute": 50, "second": 38}
